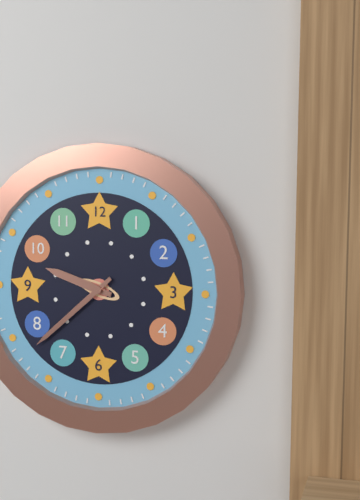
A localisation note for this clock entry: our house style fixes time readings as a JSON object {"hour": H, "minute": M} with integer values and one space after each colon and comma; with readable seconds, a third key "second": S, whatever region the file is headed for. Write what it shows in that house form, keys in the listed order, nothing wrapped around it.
{"hour": 9, "minute": 38}
